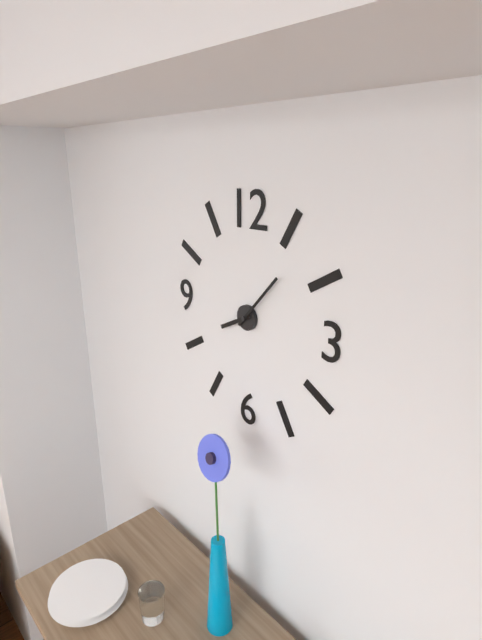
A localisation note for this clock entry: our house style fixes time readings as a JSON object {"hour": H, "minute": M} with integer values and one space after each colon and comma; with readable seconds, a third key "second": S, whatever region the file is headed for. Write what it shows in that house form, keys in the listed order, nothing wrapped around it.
{"hour": 8, "minute": 7}
